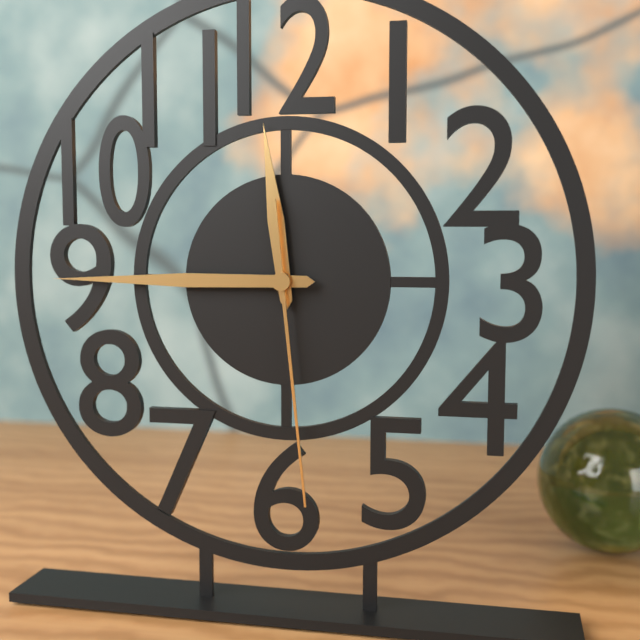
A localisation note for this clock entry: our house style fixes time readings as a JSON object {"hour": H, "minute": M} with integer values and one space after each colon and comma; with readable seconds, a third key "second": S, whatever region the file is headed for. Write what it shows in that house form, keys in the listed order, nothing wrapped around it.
{"hour": 11, "minute": 45, "second": 29}
